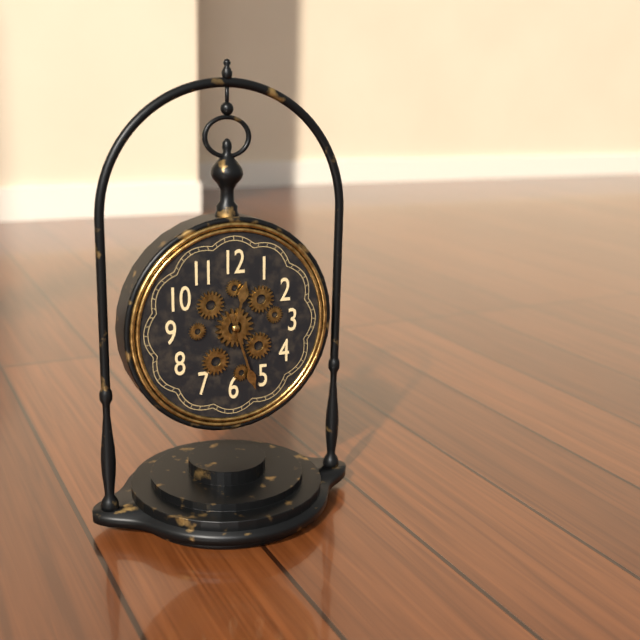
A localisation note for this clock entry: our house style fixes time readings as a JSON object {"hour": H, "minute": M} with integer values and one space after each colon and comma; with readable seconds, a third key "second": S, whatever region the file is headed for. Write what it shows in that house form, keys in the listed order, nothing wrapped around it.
{"hour": 12, "minute": 27}
